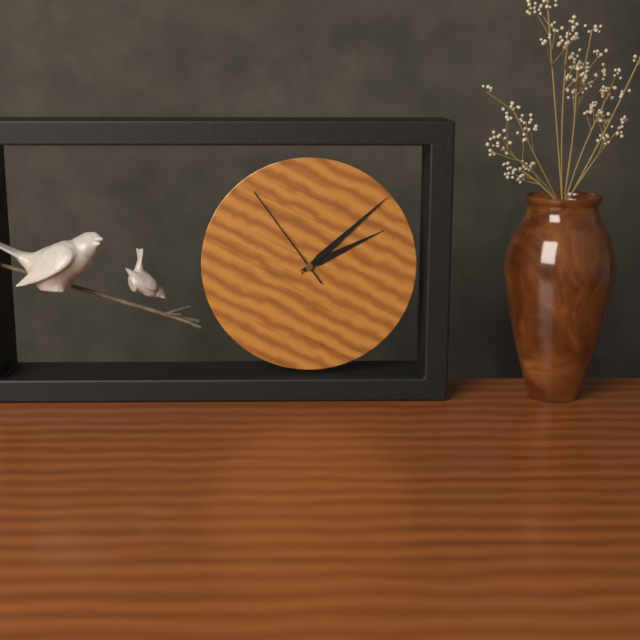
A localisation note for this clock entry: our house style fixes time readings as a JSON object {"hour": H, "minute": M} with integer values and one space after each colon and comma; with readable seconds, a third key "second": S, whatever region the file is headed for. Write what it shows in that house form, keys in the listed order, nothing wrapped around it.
{"hour": 2, "minute": 8, "second": 54}
